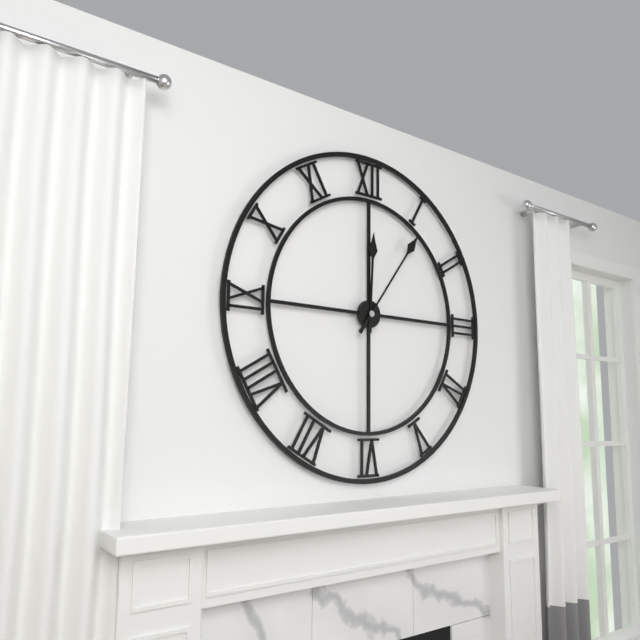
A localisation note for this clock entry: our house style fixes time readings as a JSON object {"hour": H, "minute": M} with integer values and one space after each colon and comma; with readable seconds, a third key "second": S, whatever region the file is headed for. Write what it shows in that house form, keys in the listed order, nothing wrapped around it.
{"hour": 12, "minute": 6}
